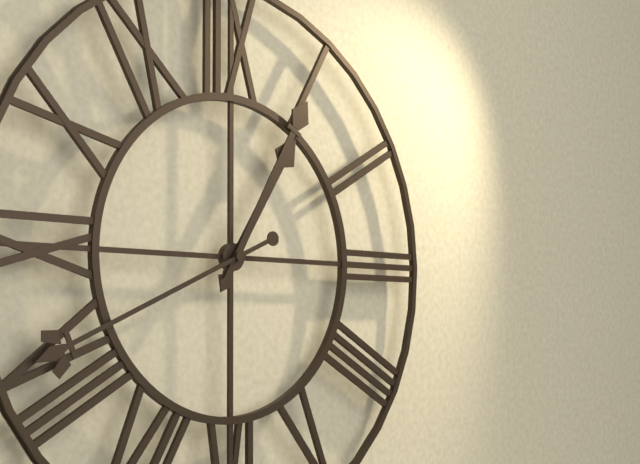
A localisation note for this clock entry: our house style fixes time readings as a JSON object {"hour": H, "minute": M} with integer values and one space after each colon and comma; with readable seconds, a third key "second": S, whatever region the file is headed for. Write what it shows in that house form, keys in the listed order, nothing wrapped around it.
{"hour": 1, "minute": 5, "second": 41}
